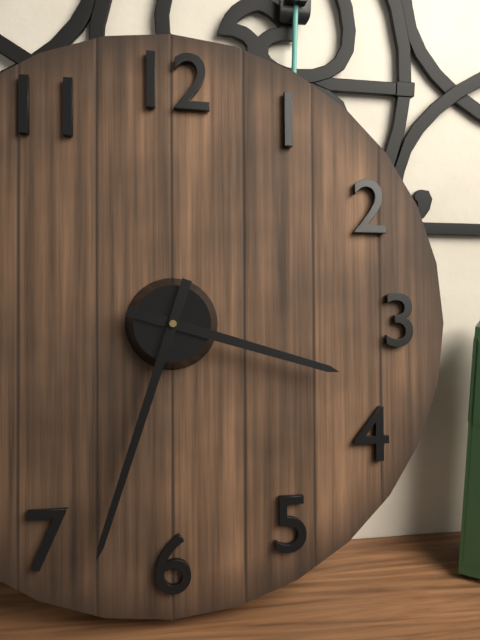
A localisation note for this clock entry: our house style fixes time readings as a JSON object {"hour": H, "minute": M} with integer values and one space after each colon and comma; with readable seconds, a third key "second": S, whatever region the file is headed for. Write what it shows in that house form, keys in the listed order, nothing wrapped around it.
{"hour": 3, "minute": 33}
